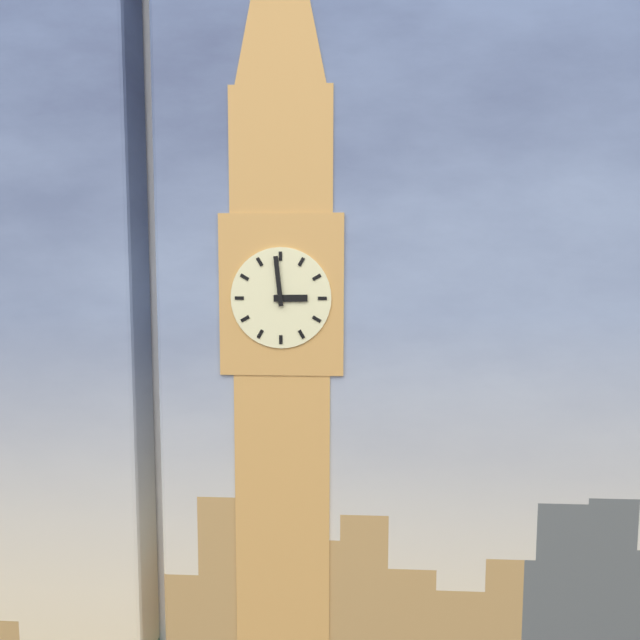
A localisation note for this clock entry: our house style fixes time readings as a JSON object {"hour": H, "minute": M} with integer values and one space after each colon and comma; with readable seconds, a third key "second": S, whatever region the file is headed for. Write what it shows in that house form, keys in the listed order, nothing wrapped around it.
{"hour": 2, "minute": 59}
